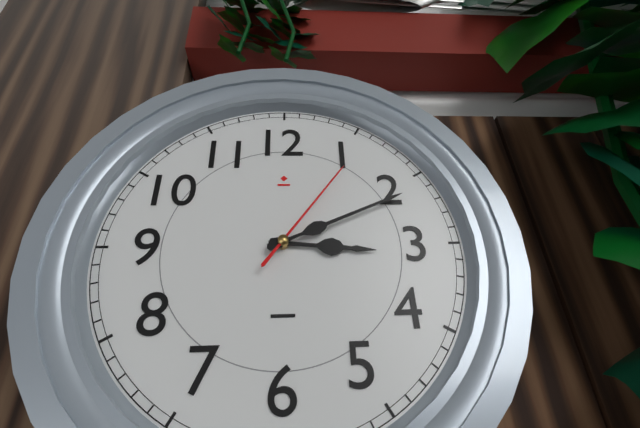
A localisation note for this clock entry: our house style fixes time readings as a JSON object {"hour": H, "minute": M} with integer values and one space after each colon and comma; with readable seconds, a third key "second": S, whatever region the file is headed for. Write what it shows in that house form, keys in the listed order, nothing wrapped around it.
{"hour": 3, "minute": 11, "second": 6}
